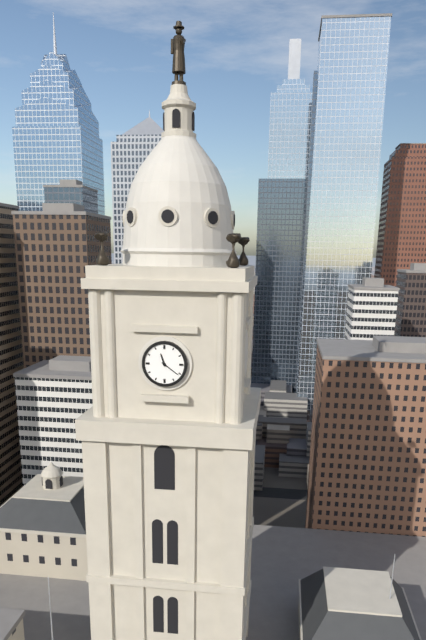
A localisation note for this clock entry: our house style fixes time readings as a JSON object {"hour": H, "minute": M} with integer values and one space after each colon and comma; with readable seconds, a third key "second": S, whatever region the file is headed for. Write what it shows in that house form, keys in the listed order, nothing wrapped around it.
{"hour": 11, "minute": 21}
